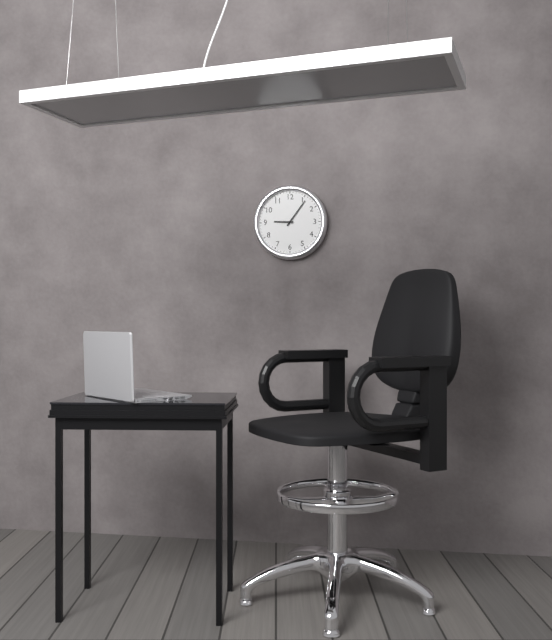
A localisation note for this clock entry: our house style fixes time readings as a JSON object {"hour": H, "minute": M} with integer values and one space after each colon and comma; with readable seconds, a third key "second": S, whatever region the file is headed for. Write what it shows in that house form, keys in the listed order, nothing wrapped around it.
{"hour": 9, "minute": 6}
